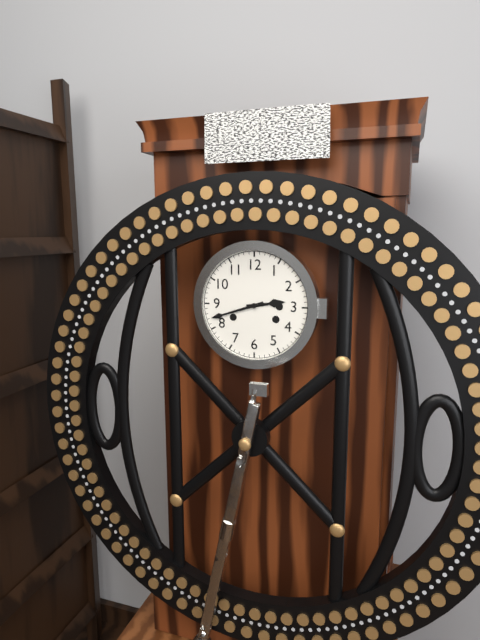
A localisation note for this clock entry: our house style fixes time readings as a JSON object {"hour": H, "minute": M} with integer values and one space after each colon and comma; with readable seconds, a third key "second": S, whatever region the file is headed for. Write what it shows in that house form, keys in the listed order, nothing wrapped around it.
{"hour": 2, "minute": 42}
